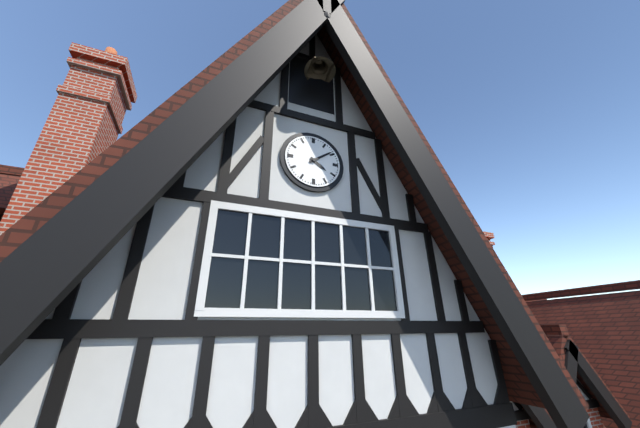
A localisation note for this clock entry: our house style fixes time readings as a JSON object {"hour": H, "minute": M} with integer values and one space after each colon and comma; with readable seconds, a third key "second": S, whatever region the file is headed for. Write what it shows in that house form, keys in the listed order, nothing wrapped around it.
{"hour": 4, "minute": 9}
